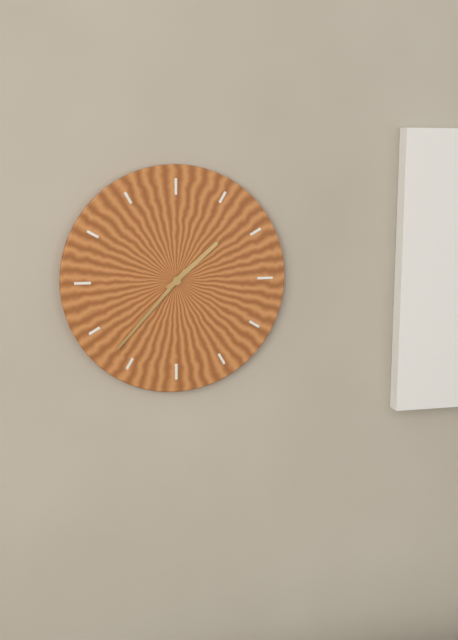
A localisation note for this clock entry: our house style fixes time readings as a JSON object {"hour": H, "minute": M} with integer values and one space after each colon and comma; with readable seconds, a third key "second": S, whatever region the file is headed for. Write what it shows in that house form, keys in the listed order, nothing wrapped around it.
{"hour": 1, "minute": 37}
